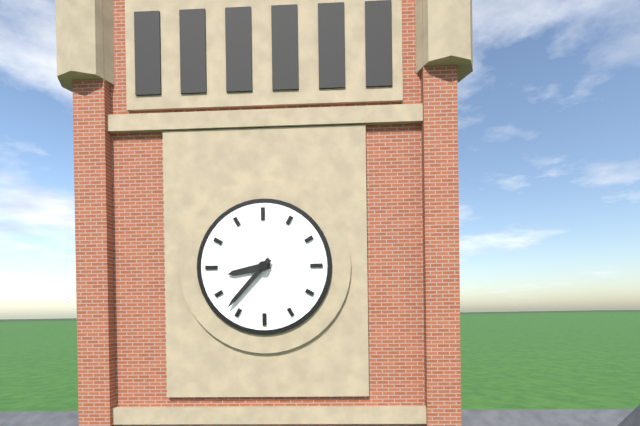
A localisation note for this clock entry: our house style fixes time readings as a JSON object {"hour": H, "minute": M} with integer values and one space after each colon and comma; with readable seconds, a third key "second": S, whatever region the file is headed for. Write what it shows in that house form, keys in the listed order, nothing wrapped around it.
{"hour": 8, "minute": 37}
